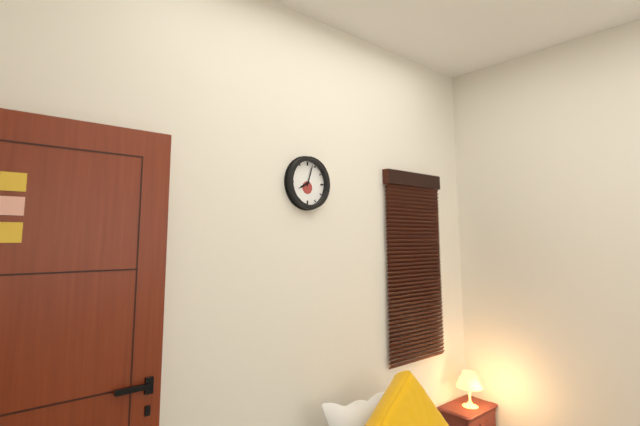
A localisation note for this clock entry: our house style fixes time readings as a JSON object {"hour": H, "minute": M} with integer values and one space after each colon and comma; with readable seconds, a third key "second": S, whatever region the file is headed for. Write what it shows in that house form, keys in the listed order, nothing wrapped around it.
{"hour": 8, "minute": 3}
